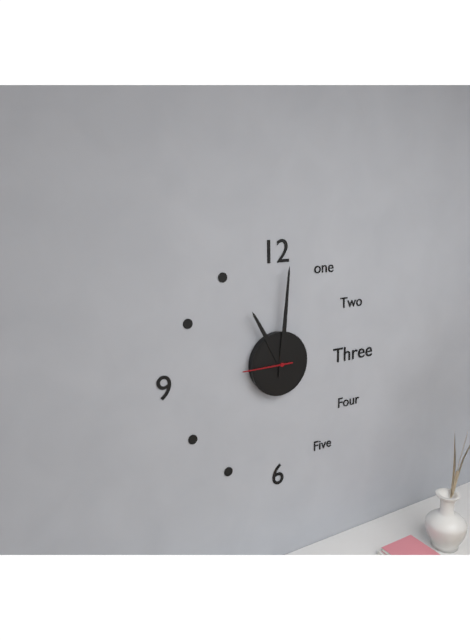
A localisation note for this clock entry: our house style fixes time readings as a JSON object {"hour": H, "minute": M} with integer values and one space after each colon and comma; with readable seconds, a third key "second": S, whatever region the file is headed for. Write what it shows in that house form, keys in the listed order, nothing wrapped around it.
{"hour": 11, "minute": 1, "second": 45}
